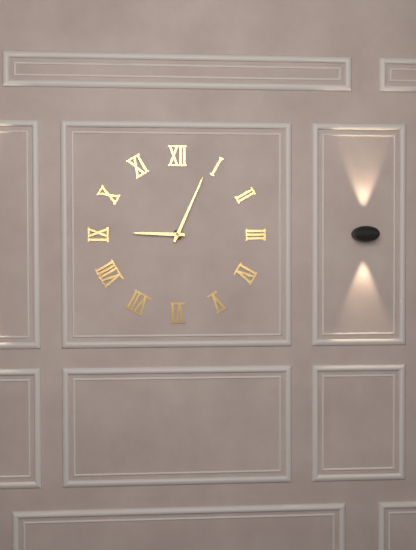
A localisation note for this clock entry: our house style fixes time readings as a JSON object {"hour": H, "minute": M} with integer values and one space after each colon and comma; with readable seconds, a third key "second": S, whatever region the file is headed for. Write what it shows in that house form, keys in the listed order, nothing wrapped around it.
{"hour": 9, "minute": 4}
